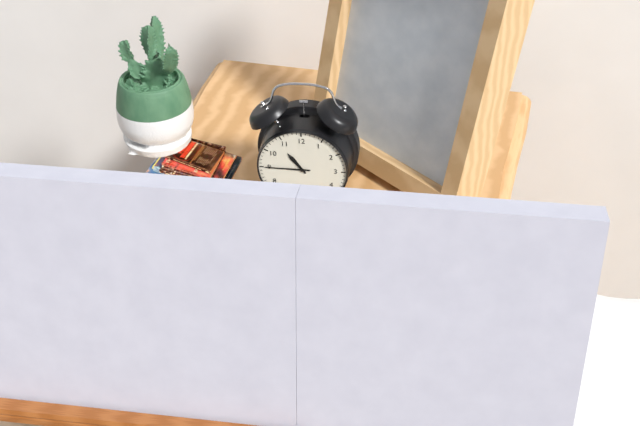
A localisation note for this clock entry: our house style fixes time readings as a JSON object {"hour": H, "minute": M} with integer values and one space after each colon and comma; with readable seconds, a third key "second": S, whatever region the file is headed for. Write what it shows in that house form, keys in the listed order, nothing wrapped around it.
{"hour": 10, "minute": 45}
